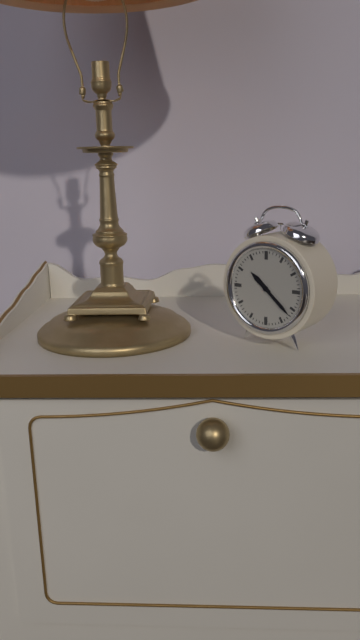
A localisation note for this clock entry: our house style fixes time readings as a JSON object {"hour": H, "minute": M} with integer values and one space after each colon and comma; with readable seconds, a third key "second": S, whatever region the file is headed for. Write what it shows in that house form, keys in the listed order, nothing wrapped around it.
{"hour": 10, "minute": 22}
